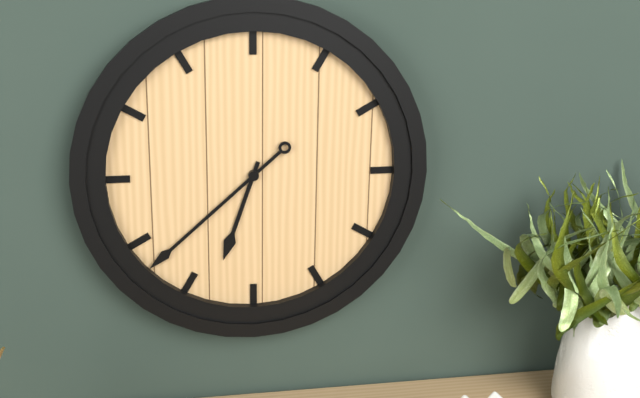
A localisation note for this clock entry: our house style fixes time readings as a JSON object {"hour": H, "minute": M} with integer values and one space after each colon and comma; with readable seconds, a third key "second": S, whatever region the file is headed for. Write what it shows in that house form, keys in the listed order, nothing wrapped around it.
{"hour": 6, "minute": 38}
